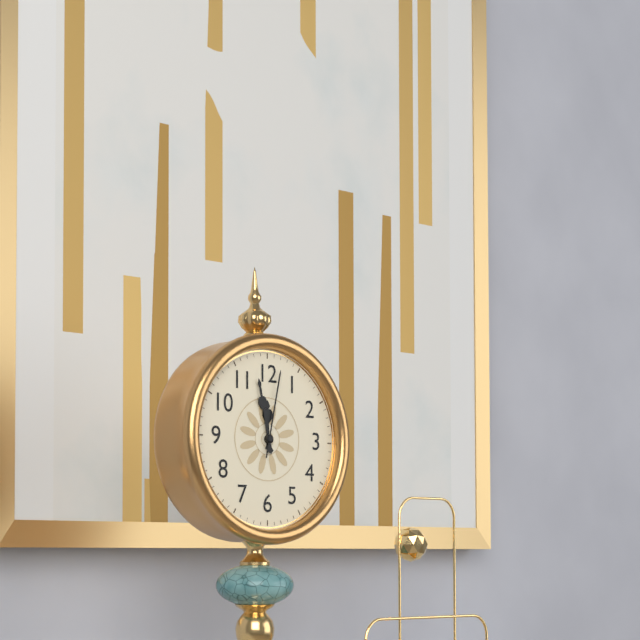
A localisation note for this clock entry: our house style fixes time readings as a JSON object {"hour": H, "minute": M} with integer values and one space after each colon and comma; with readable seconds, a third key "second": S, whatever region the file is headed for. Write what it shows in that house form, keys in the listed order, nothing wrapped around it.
{"hour": 11, "minute": 58, "second": 2}
